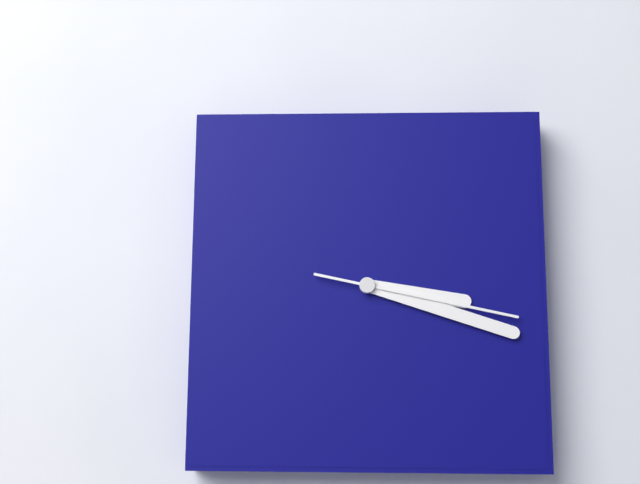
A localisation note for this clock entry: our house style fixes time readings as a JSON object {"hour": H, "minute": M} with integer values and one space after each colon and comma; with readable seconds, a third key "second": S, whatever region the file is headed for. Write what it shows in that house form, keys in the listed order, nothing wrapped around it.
{"hour": 3, "minute": 18, "second": 17}
